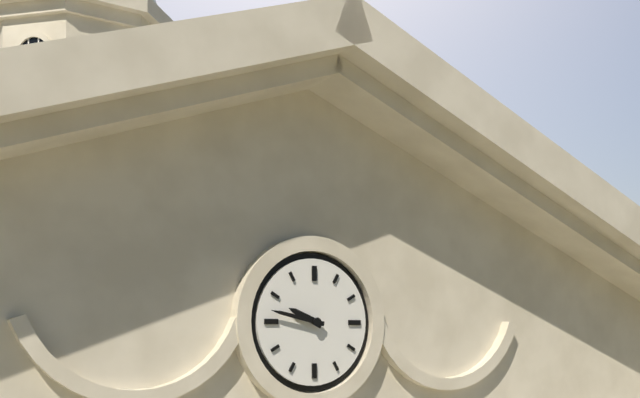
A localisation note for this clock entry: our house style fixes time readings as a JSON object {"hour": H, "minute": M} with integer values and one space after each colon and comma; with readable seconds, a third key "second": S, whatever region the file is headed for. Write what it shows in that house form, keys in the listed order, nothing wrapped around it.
{"hour": 9, "minute": 47}
